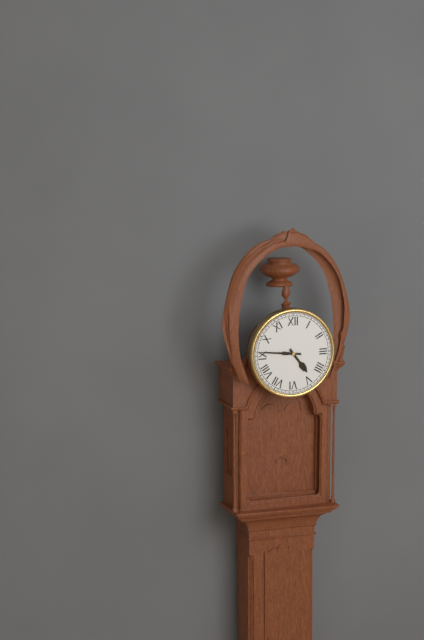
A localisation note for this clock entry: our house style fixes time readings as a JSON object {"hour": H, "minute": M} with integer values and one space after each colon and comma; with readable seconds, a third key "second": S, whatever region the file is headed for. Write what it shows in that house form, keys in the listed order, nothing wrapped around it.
{"hour": 4, "minute": 46}
